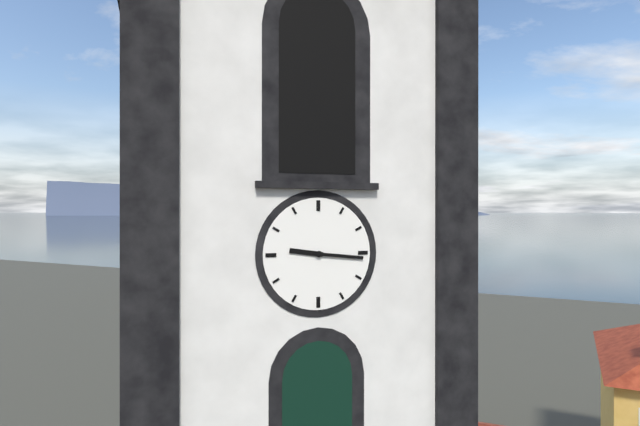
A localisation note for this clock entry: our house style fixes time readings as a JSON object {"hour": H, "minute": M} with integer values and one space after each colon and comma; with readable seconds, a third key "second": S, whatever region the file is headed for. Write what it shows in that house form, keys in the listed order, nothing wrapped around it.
{"hour": 9, "minute": 16}
